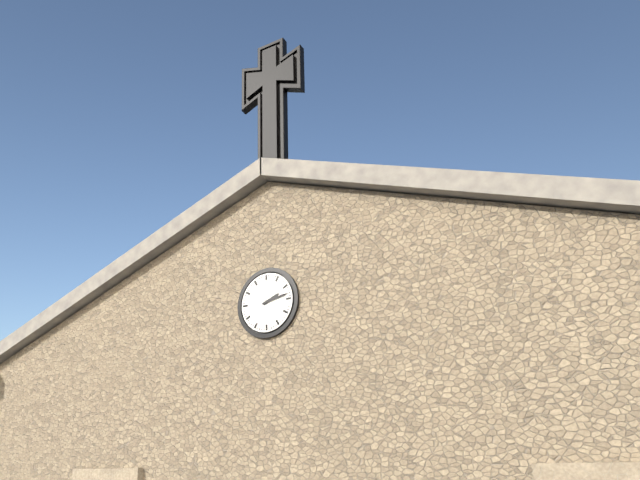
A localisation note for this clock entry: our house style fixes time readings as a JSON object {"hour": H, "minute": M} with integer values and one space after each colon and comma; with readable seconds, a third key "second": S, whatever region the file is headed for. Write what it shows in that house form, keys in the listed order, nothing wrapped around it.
{"hour": 2, "minute": 13}
